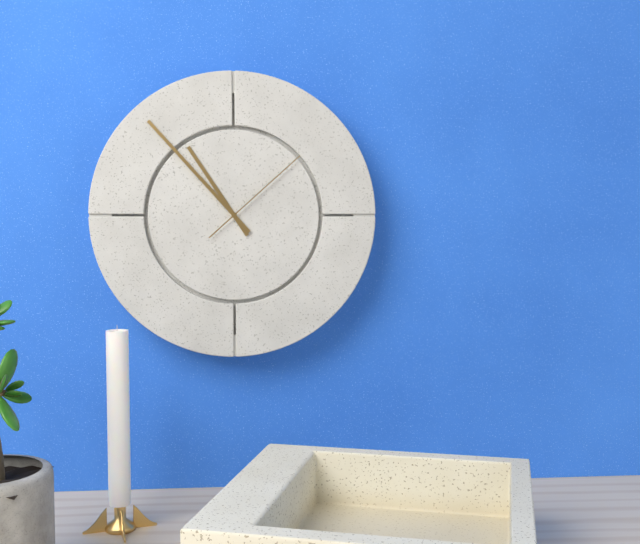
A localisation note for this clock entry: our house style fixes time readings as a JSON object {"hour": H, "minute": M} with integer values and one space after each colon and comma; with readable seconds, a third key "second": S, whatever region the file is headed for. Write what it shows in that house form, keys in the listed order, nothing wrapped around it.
{"hour": 10, "minute": 53, "second": 8}
